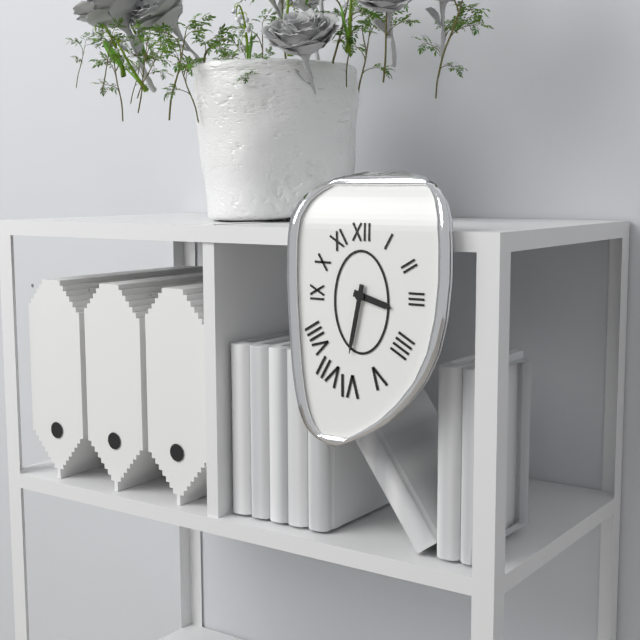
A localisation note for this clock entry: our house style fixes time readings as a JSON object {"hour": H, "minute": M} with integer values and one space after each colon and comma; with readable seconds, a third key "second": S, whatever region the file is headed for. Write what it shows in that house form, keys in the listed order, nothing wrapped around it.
{"hour": 3, "minute": 32}
